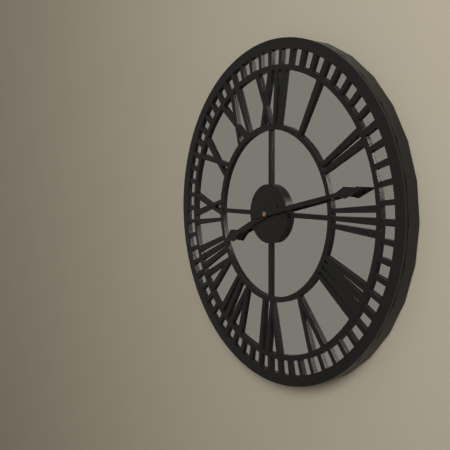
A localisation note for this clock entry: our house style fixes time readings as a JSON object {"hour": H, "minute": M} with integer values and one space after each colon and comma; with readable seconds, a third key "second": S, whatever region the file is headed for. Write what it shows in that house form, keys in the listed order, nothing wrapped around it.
{"hour": 8, "minute": 13}
